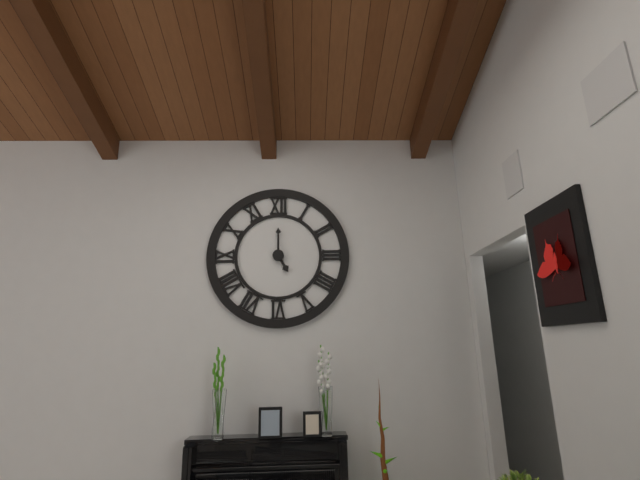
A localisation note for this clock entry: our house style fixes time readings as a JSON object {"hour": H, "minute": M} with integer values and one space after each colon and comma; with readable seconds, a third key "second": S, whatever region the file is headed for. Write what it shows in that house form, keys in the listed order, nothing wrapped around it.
{"hour": 5, "minute": 0}
